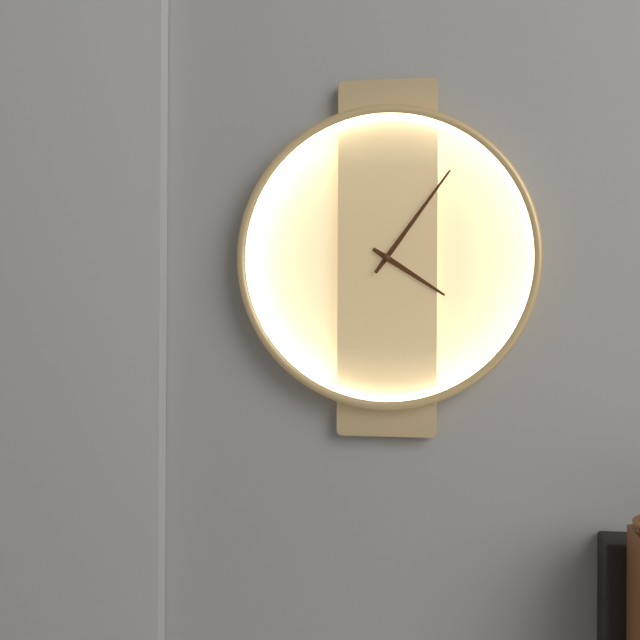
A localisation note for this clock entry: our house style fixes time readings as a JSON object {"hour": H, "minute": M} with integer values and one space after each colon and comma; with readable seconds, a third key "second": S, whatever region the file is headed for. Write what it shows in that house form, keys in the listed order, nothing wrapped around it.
{"hour": 4, "minute": 6}
